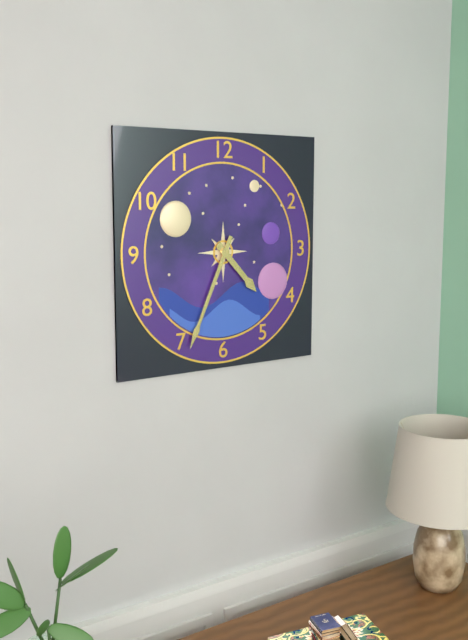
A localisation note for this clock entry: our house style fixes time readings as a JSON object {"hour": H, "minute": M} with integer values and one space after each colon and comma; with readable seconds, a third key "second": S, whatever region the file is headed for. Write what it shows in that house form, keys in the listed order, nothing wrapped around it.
{"hour": 4, "minute": 34}
